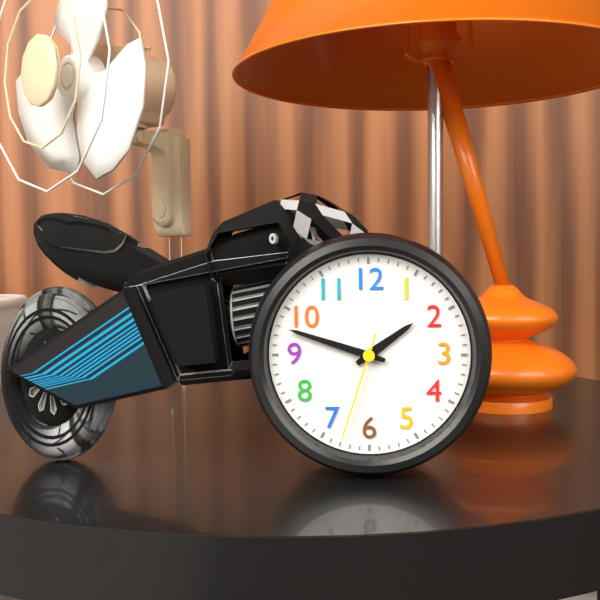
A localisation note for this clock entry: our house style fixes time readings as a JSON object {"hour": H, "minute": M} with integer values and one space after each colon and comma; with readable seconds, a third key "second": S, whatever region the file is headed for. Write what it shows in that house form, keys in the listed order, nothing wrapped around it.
{"hour": 1, "minute": 48, "second": 33}
